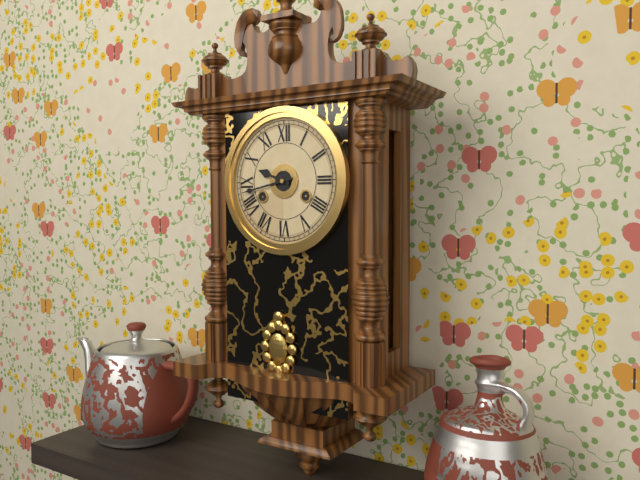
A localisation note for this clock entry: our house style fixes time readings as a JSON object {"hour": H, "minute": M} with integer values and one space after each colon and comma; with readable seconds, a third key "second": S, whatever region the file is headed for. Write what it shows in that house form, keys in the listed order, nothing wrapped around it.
{"hour": 9, "minute": 43}
